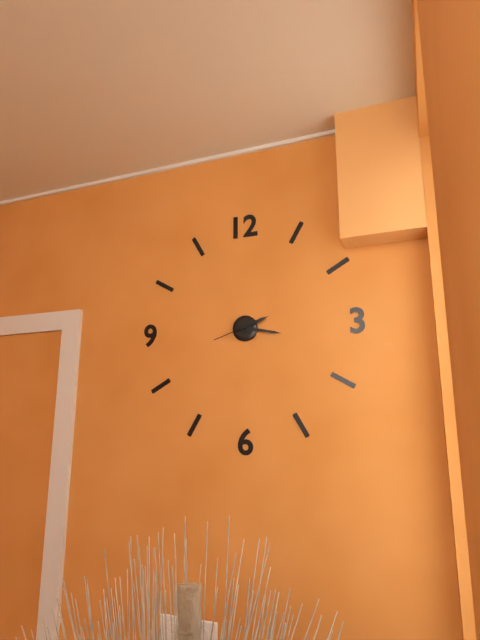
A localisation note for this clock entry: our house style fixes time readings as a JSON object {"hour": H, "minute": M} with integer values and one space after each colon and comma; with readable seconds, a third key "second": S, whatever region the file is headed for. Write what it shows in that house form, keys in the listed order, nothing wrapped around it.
{"hour": 2, "minute": 17}
